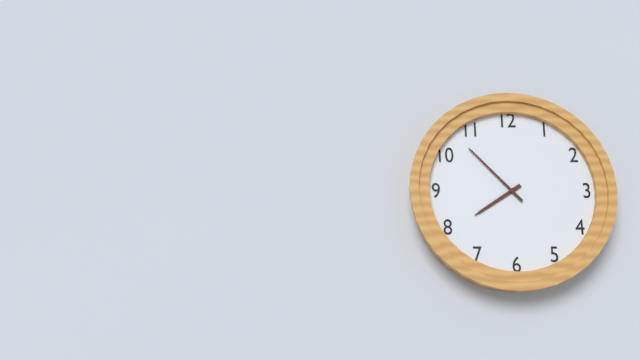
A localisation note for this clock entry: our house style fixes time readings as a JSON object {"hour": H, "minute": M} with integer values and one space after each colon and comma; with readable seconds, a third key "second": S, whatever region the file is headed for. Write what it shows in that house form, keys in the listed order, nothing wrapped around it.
{"hour": 7, "minute": 53}
